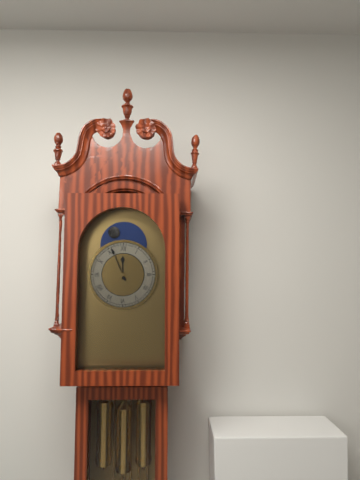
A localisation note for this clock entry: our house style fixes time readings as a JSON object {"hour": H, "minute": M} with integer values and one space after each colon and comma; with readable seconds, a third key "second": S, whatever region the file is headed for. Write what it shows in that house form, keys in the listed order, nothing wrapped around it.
{"hour": 11, "minute": 56}
